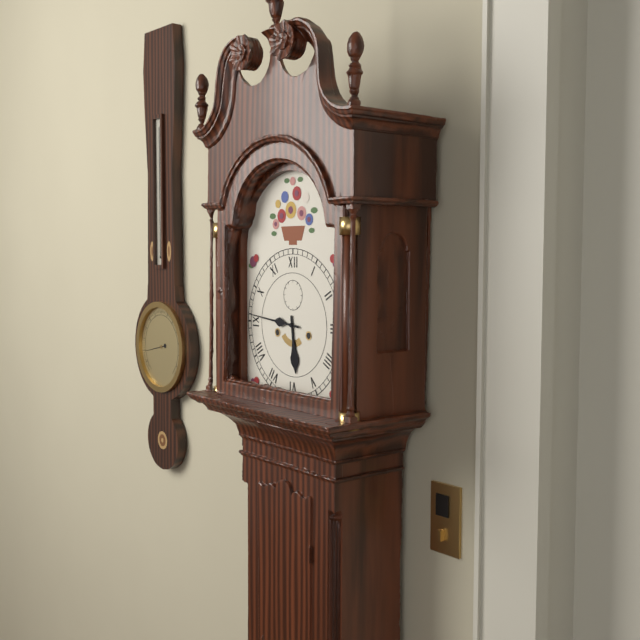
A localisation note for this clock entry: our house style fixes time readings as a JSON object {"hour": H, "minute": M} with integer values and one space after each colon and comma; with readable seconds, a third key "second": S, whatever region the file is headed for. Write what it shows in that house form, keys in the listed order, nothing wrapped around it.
{"hour": 5, "minute": 46}
